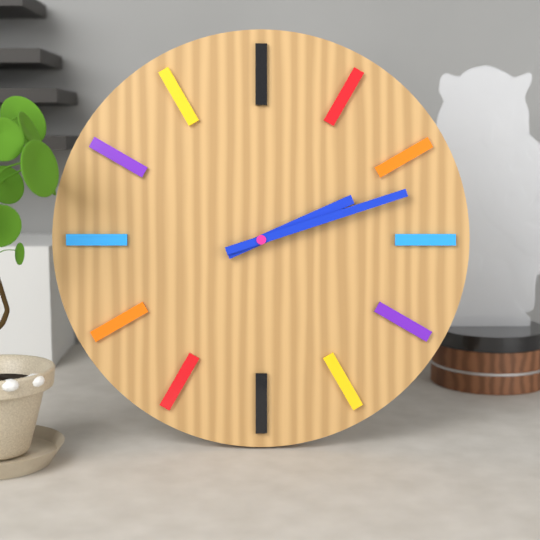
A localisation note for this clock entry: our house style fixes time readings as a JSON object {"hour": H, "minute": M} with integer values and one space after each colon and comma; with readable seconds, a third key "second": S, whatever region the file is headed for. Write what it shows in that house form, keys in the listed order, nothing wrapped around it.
{"hour": 2, "minute": 12}
